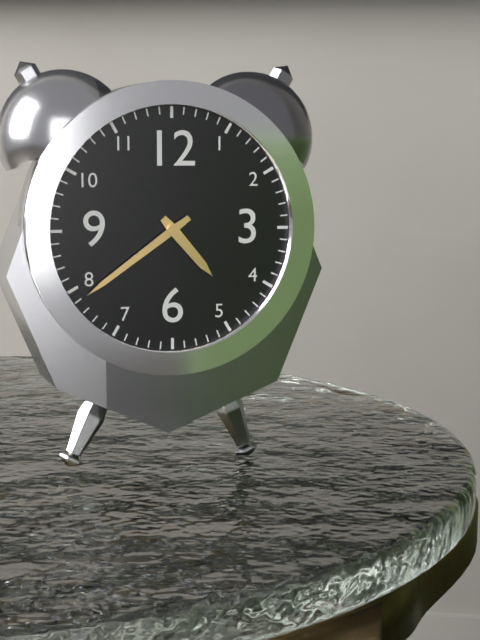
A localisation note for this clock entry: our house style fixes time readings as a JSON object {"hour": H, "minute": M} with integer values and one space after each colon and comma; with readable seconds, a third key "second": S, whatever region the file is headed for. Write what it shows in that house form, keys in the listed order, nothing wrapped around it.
{"hour": 4, "minute": 39}
